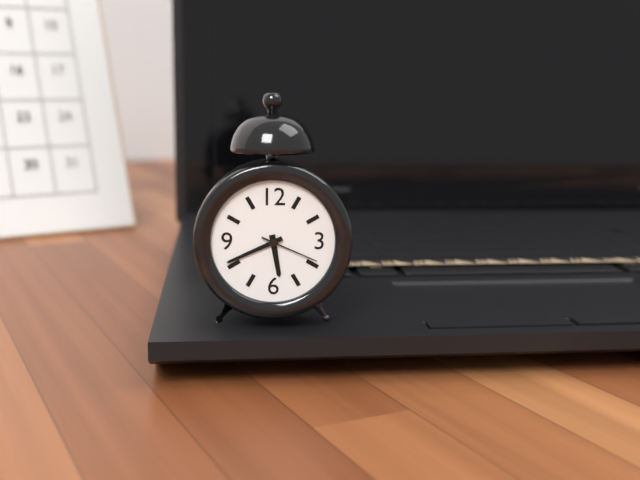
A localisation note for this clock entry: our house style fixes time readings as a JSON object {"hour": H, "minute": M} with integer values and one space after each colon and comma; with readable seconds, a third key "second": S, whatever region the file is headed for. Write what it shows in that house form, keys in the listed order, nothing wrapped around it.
{"hour": 5, "minute": 41, "second": 19}
